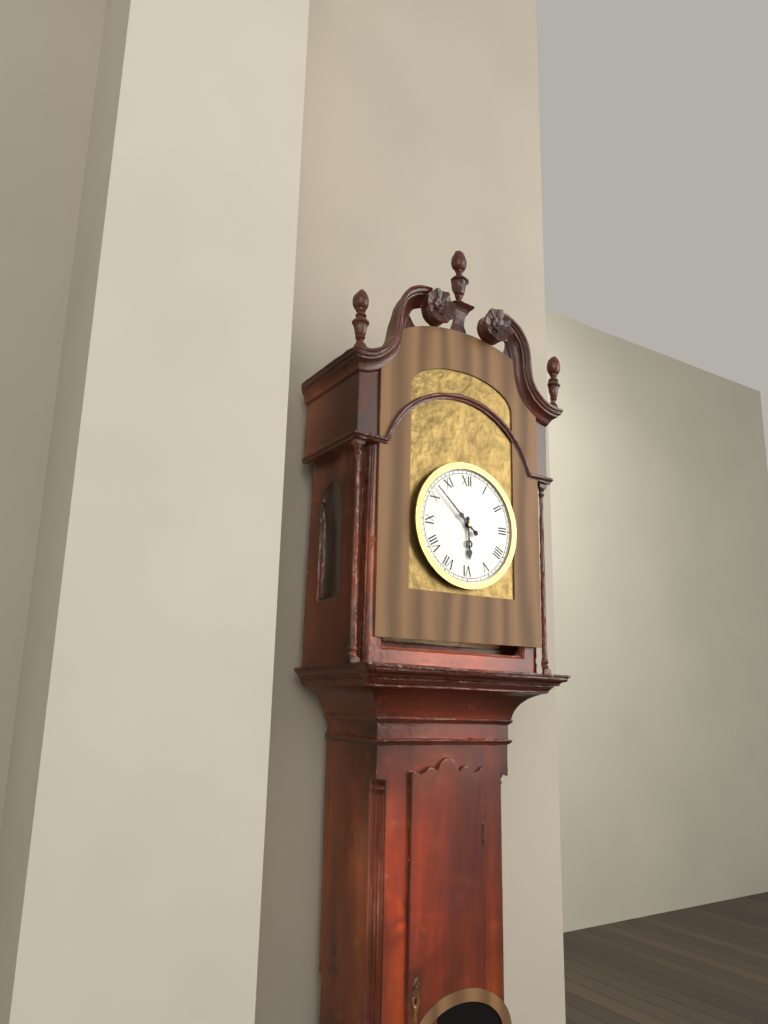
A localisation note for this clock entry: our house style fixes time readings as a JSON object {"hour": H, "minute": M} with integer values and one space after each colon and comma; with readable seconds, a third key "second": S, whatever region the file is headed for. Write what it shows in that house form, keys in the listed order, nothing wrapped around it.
{"hour": 5, "minute": 52}
